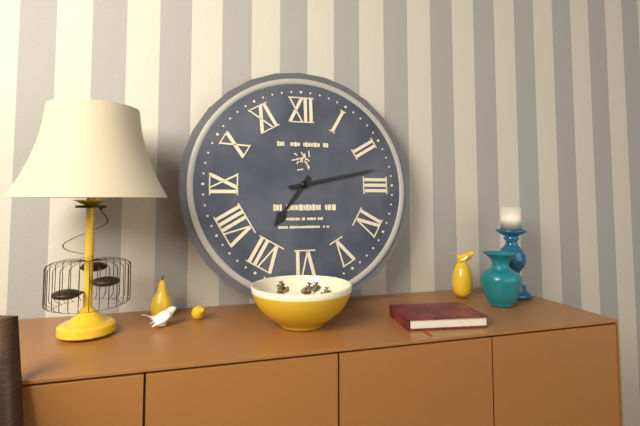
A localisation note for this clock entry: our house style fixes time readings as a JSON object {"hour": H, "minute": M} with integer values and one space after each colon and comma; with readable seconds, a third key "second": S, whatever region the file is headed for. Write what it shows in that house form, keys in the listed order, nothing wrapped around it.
{"hour": 7, "minute": 13}
